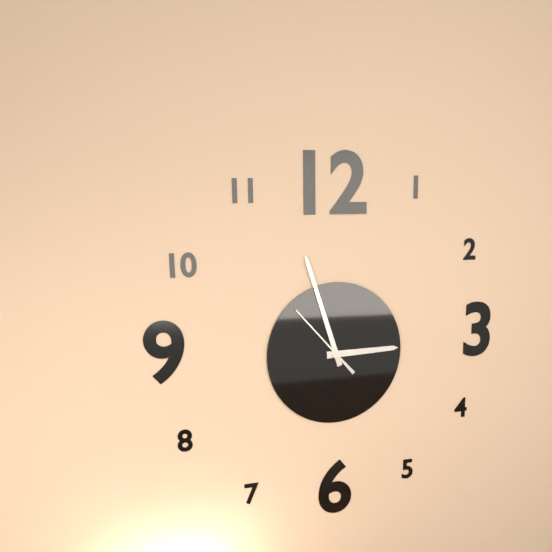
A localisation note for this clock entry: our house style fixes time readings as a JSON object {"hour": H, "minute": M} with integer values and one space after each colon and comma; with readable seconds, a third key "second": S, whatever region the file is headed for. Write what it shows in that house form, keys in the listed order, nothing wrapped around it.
{"hour": 2, "minute": 57, "second": 53}
